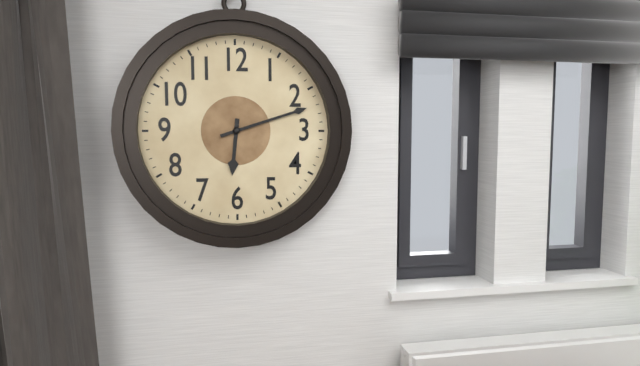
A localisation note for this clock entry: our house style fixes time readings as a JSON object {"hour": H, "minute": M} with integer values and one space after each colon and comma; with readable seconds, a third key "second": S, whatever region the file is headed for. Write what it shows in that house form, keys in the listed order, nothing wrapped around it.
{"hour": 6, "minute": 12}
